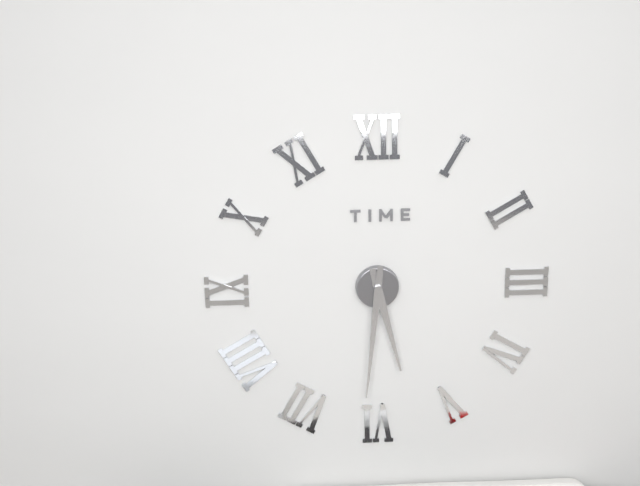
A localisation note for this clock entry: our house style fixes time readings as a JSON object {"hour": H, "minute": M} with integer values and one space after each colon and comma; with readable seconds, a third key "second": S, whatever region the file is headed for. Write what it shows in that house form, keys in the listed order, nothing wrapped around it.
{"hour": 5, "minute": 31}
